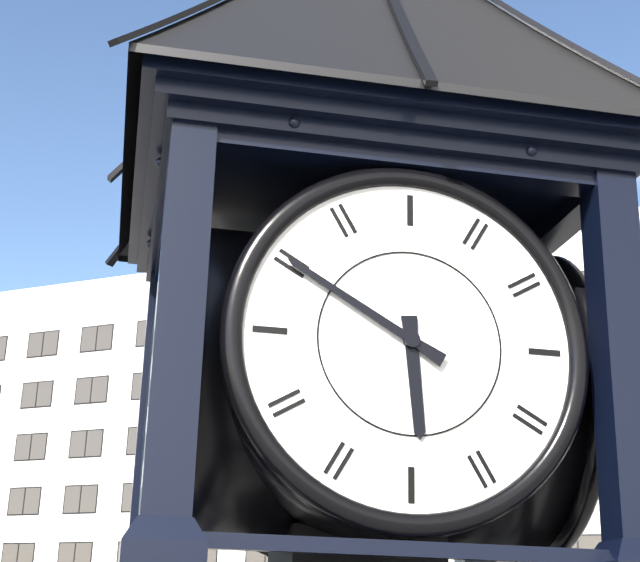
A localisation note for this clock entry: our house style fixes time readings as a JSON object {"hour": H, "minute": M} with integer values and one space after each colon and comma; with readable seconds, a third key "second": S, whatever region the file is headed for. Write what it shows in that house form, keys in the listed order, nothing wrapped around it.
{"hour": 5, "minute": 50}
